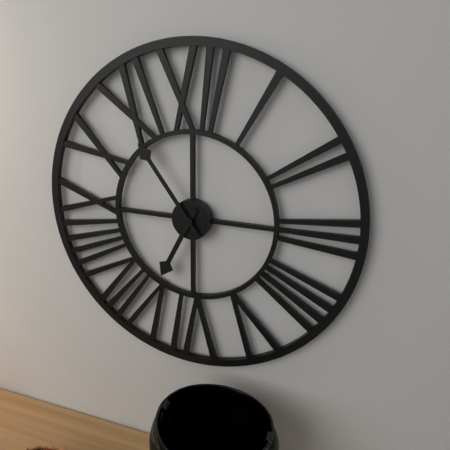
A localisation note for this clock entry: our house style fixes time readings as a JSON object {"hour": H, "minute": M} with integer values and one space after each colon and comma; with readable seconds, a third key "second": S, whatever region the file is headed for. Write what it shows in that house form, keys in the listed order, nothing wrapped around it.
{"hour": 6, "minute": 54}
